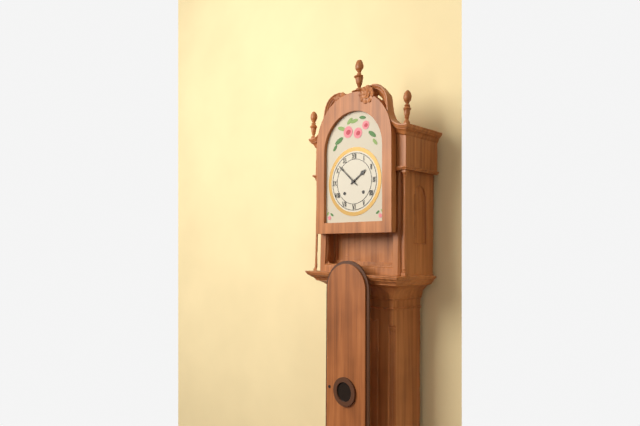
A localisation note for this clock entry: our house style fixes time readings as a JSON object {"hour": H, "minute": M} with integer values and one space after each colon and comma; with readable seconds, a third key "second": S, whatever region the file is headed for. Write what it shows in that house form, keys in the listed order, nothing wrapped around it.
{"hour": 1, "minute": 52}
